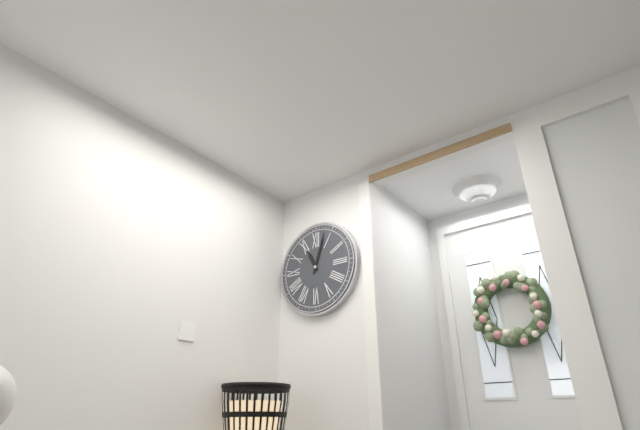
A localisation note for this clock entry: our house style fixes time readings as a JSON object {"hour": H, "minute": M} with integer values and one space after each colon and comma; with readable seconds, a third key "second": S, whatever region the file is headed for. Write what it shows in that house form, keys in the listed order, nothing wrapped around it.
{"hour": 11, "minute": 3}
